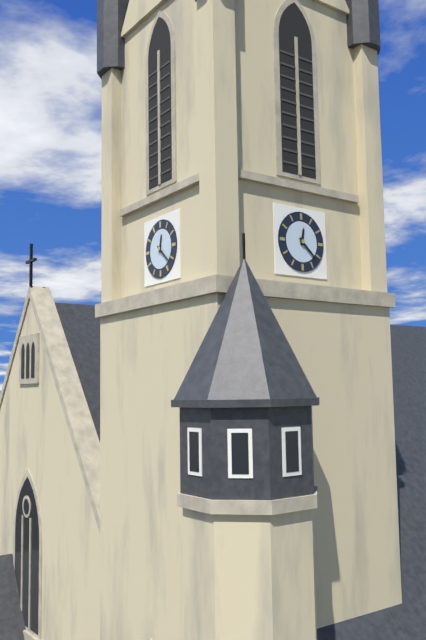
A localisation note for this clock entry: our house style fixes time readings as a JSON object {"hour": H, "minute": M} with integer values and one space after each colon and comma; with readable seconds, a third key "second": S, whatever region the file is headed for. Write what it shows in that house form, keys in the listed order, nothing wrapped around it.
{"hour": 12, "minute": 22}
